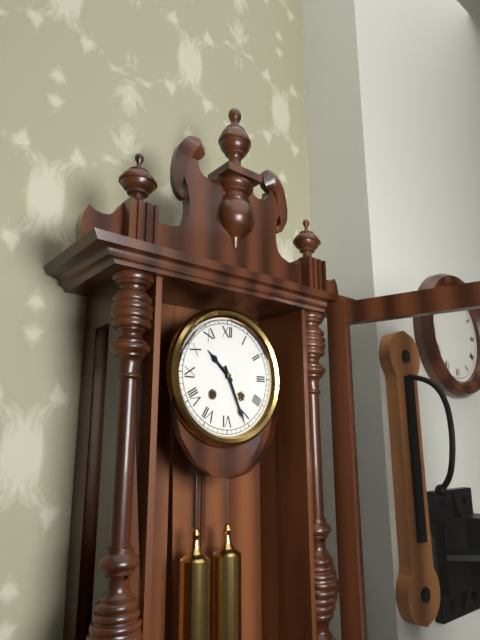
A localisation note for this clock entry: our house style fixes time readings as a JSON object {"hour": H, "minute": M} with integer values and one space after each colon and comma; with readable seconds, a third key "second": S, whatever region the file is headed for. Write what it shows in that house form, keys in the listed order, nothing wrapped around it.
{"hour": 10, "minute": 26}
